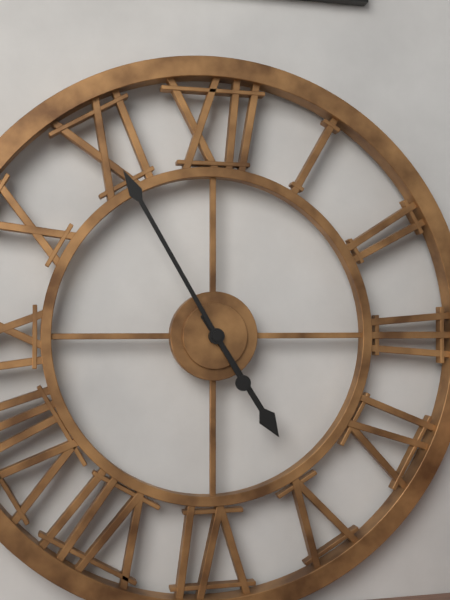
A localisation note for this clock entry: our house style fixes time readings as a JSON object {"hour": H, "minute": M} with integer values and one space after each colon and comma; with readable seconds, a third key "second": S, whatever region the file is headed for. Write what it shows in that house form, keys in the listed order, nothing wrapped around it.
{"hour": 4, "minute": 55}
